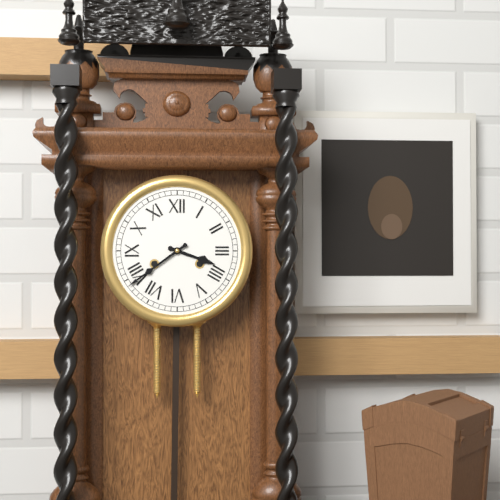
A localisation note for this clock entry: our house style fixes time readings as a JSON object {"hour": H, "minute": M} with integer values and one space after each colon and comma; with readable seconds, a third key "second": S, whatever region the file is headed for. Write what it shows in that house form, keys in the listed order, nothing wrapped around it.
{"hour": 3, "minute": 39}
